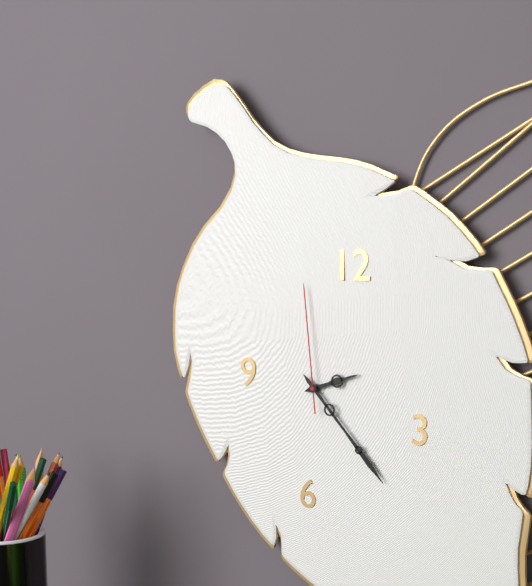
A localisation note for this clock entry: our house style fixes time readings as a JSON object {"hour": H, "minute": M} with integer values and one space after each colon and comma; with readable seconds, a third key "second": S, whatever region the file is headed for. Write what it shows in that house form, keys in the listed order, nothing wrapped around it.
{"hour": 2, "minute": 23, "second": 59}
